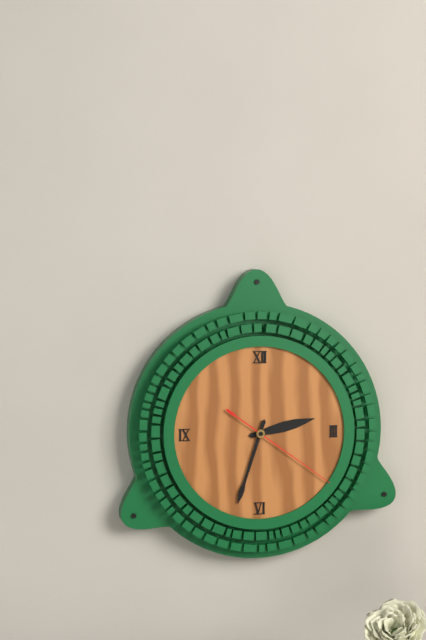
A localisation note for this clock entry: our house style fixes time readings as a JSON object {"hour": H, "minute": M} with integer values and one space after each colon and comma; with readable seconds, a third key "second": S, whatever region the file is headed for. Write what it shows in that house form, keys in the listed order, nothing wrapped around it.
{"hour": 2, "minute": 33, "second": 21}
